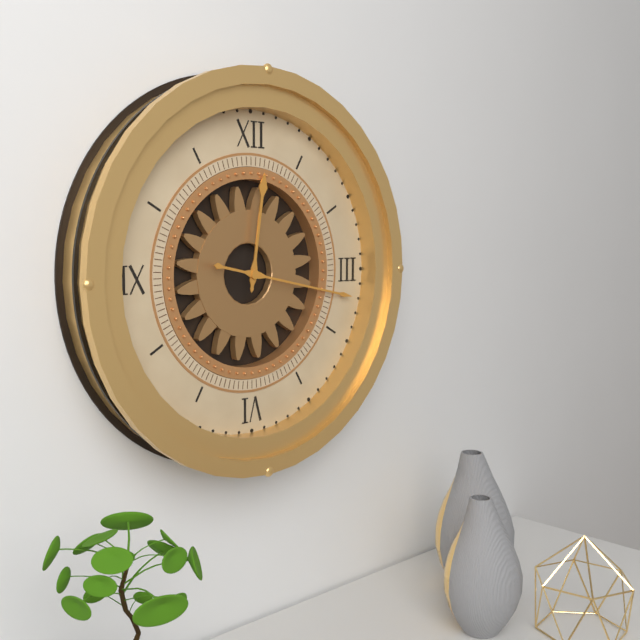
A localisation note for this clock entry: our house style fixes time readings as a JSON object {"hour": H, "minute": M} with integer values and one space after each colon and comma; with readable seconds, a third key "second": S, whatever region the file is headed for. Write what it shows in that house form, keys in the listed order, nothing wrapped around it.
{"hour": 12, "minute": 17}
